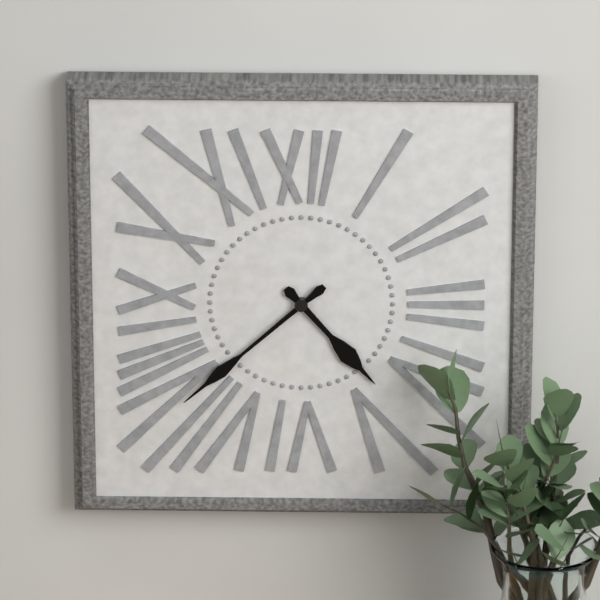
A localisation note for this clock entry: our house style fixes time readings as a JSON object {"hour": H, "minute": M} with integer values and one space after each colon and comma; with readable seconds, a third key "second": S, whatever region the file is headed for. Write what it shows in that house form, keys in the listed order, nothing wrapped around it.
{"hour": 4, "minute": 38}
